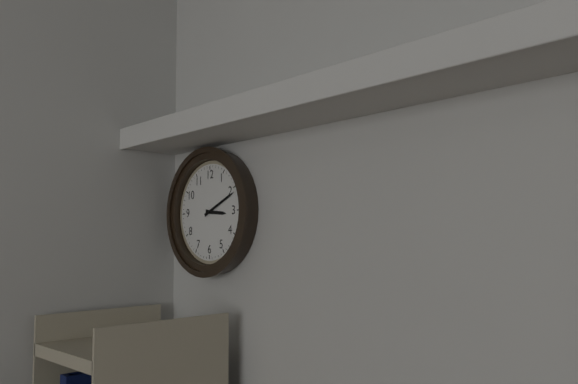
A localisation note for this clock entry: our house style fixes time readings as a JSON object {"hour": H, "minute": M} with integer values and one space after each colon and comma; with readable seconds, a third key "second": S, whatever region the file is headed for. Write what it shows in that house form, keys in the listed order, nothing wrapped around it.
{"hour": 3, "minute": 11}
